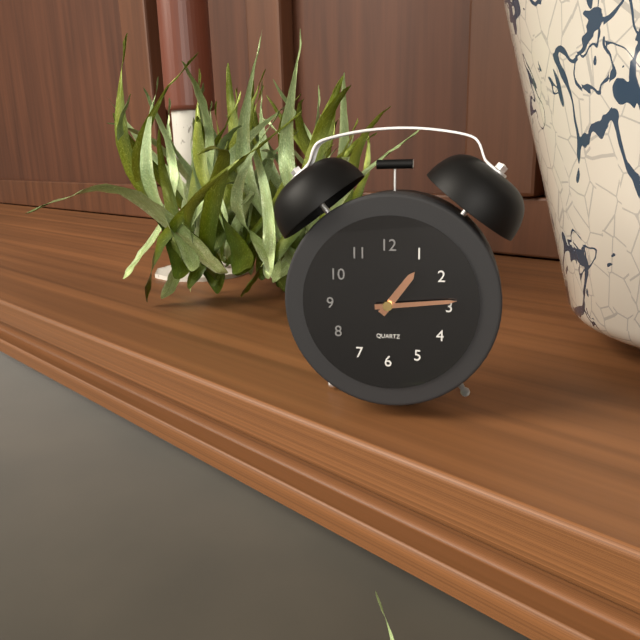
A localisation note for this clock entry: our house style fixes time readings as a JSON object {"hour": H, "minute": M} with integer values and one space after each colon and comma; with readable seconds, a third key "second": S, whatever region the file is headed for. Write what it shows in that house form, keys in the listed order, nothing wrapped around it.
{"hour": 1, "minute": 14}
